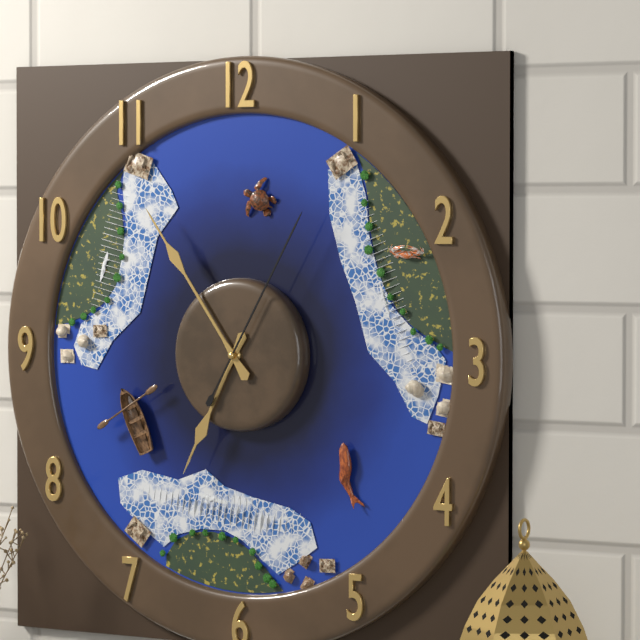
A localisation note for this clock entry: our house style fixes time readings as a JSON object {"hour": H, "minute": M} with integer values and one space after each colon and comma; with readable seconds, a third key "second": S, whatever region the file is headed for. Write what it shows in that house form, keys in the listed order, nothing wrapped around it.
{"hour": 6, "minute": 54, "second": 5}
